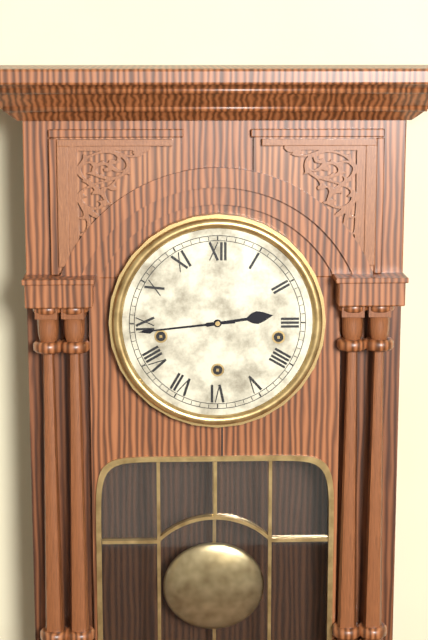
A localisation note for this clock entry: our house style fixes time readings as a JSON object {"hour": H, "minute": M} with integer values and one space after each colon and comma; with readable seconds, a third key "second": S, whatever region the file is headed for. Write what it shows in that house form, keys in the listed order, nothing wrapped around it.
{"hour": 2, "minute": 44}
